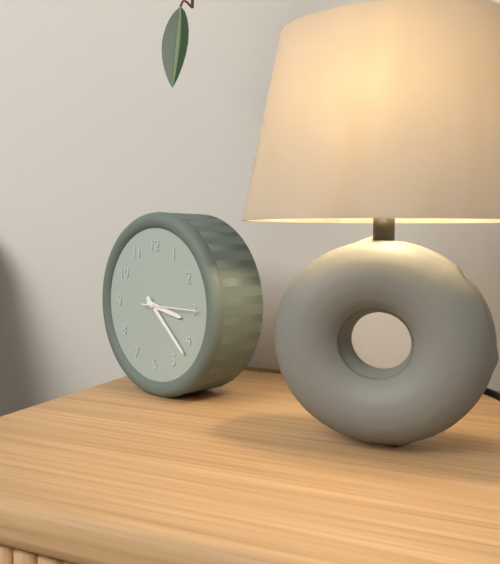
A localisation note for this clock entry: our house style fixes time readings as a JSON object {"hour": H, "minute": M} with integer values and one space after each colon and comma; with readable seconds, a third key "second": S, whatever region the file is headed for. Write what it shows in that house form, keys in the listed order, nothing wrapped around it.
{"hour": 3, "minute": 22}
